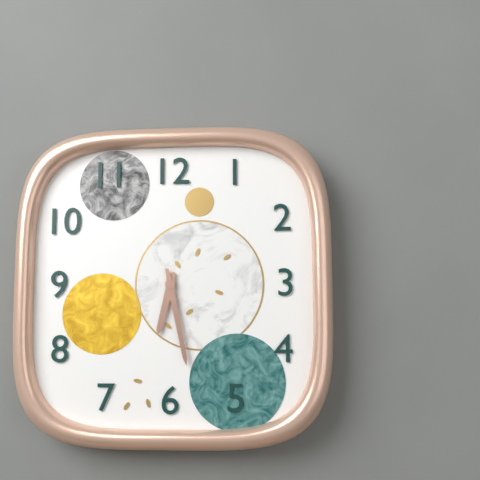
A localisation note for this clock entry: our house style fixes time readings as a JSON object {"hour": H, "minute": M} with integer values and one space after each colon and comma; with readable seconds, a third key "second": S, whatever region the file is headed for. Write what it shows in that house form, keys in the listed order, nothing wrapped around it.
{"hour": 6, "minute": 28}
